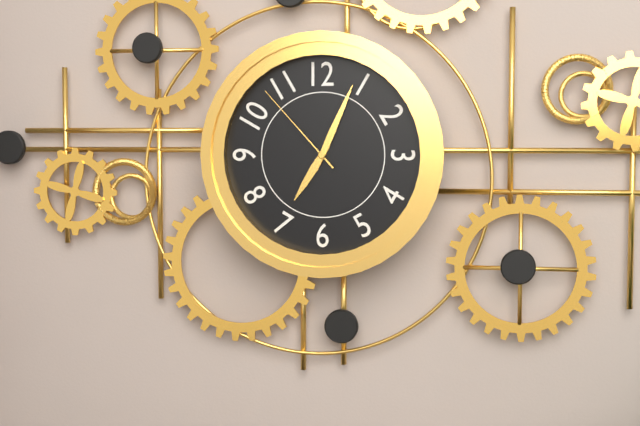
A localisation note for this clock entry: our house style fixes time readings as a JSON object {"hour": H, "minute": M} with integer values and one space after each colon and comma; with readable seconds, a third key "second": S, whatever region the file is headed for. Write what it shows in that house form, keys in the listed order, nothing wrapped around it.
{"hour": 7, "minute": 4, "second": 53}
